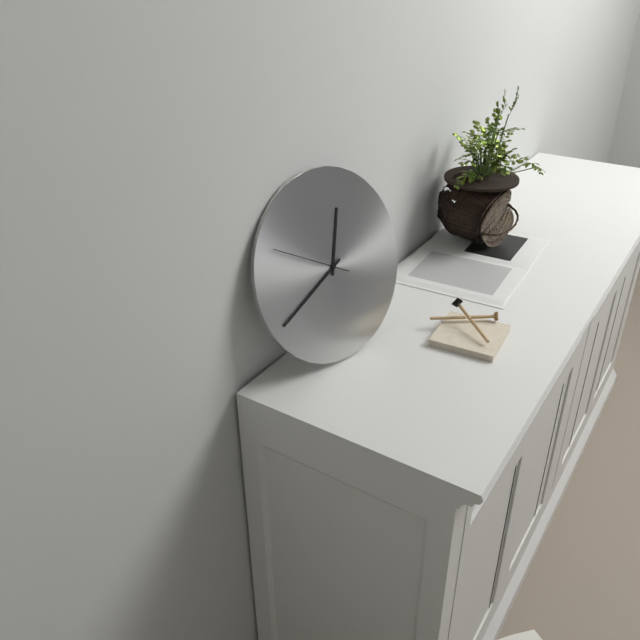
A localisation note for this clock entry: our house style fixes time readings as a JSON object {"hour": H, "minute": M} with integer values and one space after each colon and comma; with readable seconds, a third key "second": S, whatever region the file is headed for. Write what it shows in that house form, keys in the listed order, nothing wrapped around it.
{"hour": 12, "minute": 41, "second": 50}
